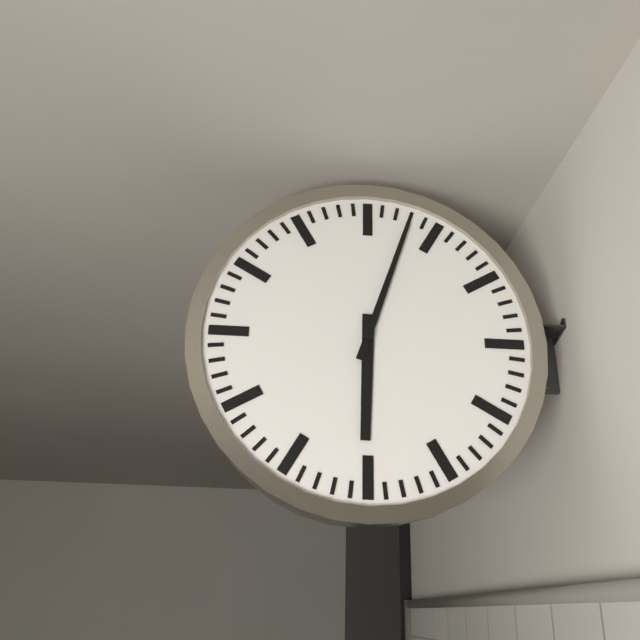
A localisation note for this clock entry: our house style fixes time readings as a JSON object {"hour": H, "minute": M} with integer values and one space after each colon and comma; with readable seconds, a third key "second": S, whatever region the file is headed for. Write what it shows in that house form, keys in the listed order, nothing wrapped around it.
{"hour": 6, "minute": 3}
